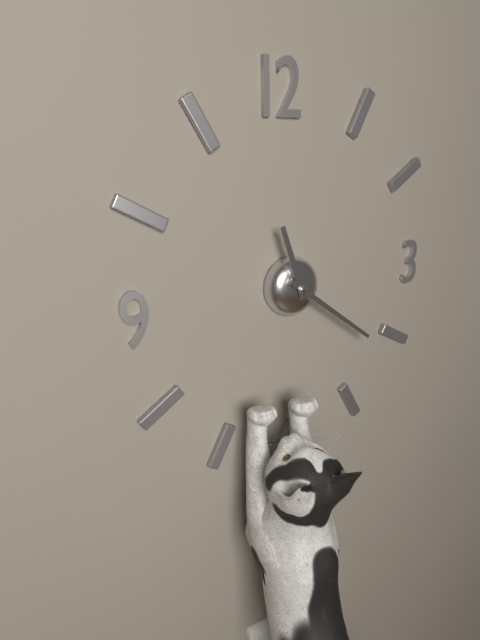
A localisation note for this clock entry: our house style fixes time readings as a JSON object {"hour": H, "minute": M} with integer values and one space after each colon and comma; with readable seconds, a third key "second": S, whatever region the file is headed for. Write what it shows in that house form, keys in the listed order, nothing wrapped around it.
{"hour": 11, "minute": 21}
